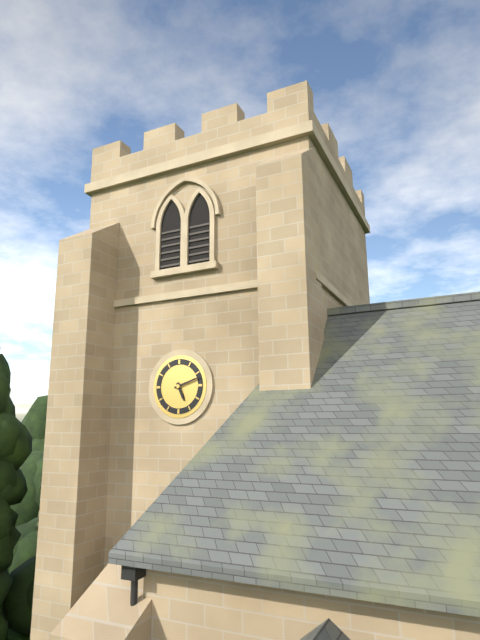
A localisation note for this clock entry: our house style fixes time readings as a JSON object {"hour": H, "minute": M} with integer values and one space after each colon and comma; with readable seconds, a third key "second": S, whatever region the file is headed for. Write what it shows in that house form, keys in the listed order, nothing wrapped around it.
{"hour": 5, "minute": 12}
